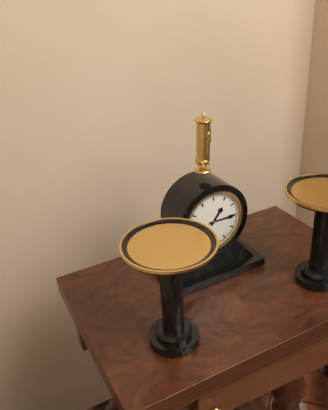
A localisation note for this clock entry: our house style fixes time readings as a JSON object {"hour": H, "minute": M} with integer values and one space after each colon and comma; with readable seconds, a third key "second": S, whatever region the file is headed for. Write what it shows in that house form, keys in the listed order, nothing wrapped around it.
{"hour": 1, "minute": 15}
